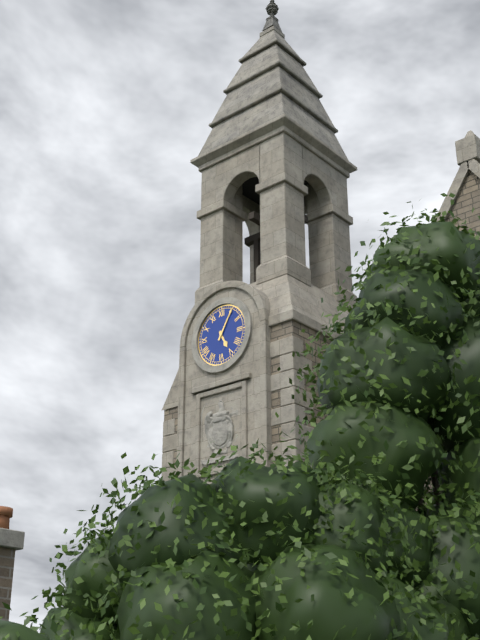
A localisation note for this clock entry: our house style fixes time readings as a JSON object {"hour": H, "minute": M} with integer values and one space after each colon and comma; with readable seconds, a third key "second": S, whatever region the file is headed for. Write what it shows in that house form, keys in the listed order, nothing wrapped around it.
{"hour": 5, "minute": 5}
